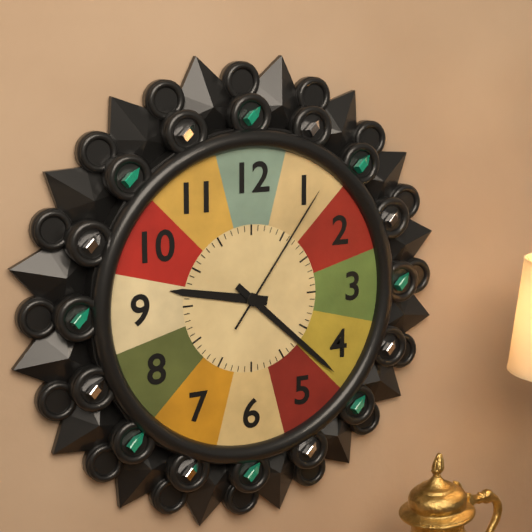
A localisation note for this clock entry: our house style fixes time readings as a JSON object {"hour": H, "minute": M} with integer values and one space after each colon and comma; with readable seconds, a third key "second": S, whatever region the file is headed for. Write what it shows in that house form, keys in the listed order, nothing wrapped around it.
{"hour": 9, "minute": 22, "second": 6}
